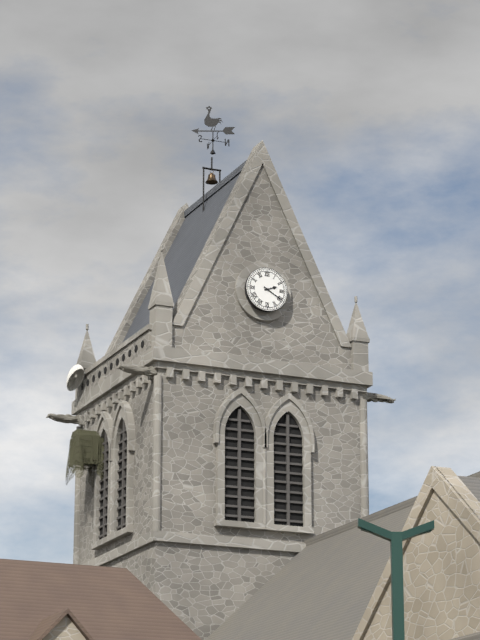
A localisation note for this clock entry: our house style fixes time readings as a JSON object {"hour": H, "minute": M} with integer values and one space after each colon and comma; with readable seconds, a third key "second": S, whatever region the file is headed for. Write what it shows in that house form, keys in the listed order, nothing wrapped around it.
{"hour": 2, "minute": 20}
